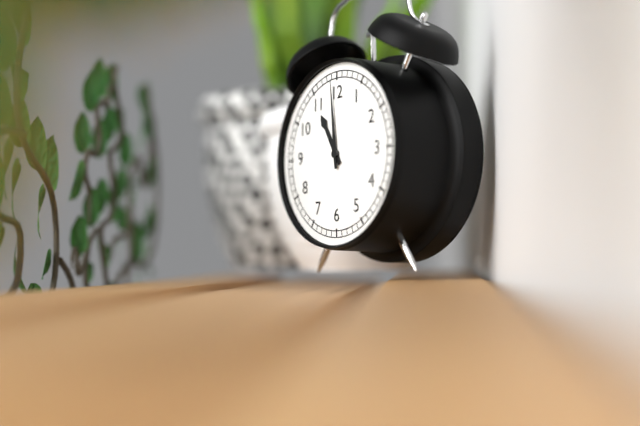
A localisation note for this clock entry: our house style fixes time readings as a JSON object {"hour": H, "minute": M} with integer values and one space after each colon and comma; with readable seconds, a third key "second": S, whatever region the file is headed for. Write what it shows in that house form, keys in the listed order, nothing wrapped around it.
{"hour": 10, "minute": 59}
